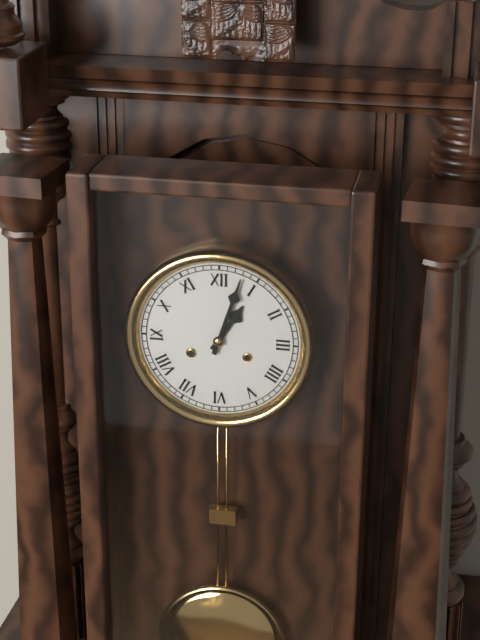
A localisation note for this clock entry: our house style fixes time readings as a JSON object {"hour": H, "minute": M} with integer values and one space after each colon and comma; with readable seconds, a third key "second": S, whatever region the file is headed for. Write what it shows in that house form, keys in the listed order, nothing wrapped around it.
{"hour": 1, "minute": 3}
